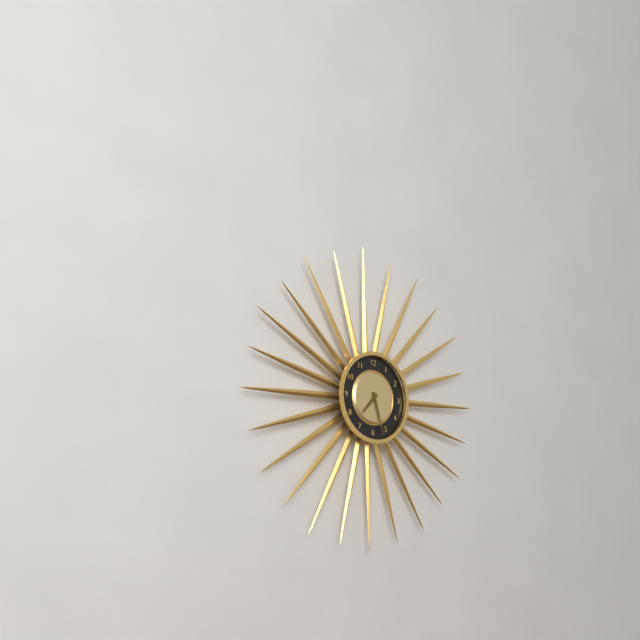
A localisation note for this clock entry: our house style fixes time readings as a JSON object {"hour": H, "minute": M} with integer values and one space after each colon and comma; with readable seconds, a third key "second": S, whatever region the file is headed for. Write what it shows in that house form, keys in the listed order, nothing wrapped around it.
{"hour": 7, "minute": 27}
